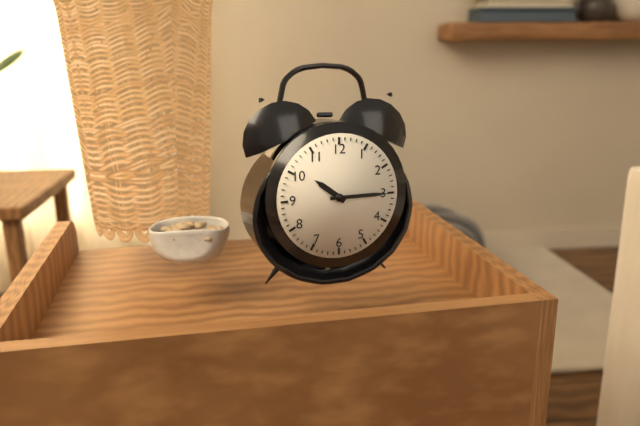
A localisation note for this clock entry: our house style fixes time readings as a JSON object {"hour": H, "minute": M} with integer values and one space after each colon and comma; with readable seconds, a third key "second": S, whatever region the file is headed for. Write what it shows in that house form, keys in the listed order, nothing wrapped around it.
{"hour": 10, "minute": 15}
